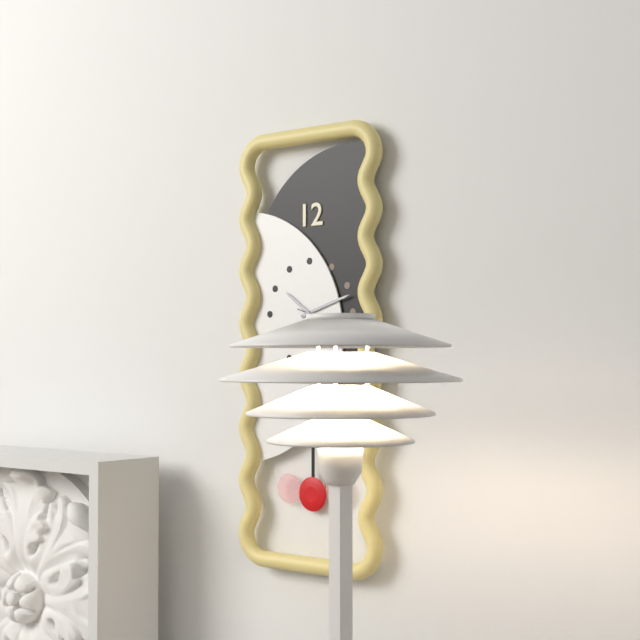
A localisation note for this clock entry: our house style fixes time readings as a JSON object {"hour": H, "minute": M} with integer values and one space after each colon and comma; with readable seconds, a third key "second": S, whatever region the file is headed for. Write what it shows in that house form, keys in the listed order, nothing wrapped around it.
{"hour": 10, "minute": 12}
